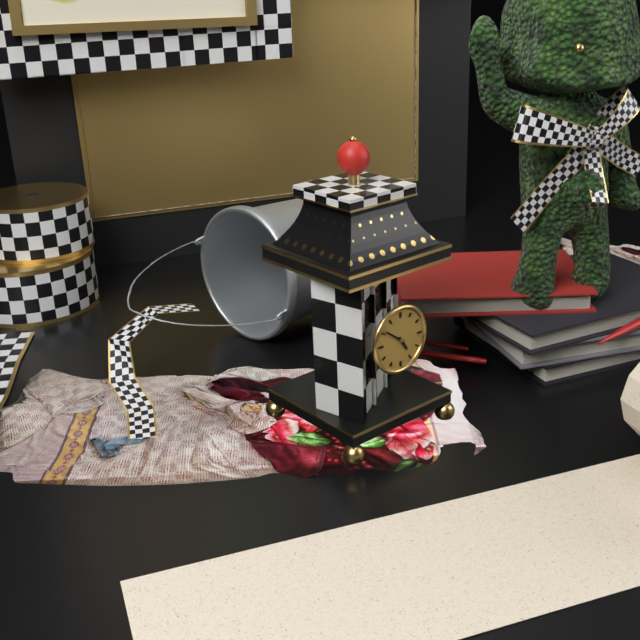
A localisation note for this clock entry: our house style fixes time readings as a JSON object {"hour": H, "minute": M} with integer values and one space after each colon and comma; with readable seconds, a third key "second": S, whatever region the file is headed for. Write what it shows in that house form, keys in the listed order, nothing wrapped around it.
{"hour": 4, "minute": 51}
